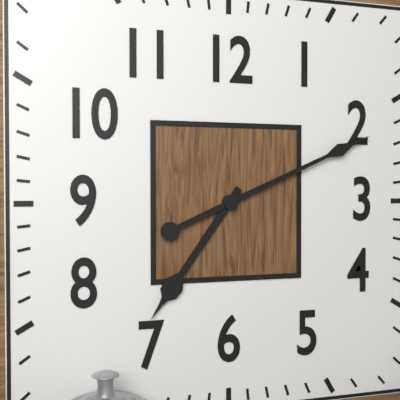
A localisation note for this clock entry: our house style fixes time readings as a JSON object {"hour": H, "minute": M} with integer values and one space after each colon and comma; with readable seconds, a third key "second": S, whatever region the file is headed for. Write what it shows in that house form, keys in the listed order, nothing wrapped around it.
{"hour": 7, "minute": 11}
